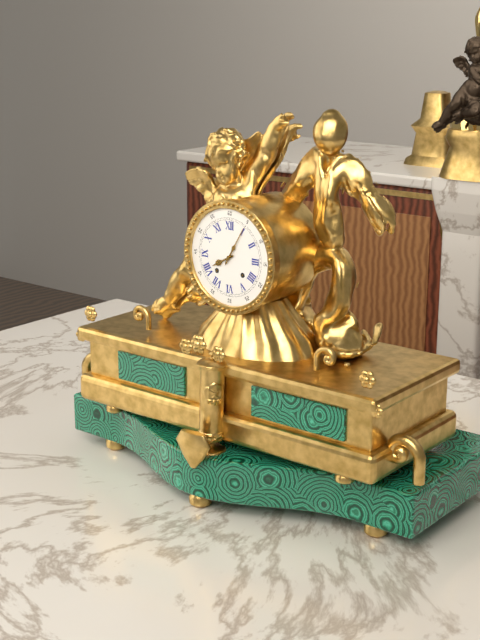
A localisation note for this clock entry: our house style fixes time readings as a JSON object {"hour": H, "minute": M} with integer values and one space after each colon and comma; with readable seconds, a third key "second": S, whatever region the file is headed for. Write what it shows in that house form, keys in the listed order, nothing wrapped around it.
{"hour": 8, "minute": 5}
